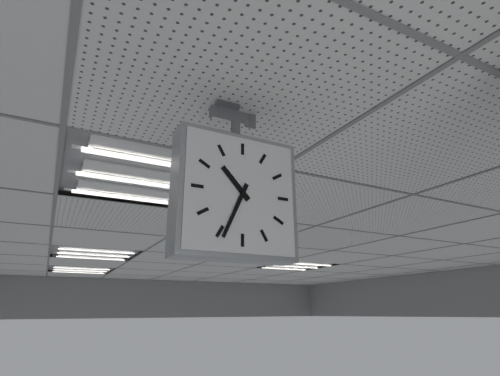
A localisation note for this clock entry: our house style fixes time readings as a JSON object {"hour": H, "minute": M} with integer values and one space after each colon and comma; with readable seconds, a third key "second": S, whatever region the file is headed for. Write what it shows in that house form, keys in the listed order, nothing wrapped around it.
{"hour": 10, "minute": 34}
